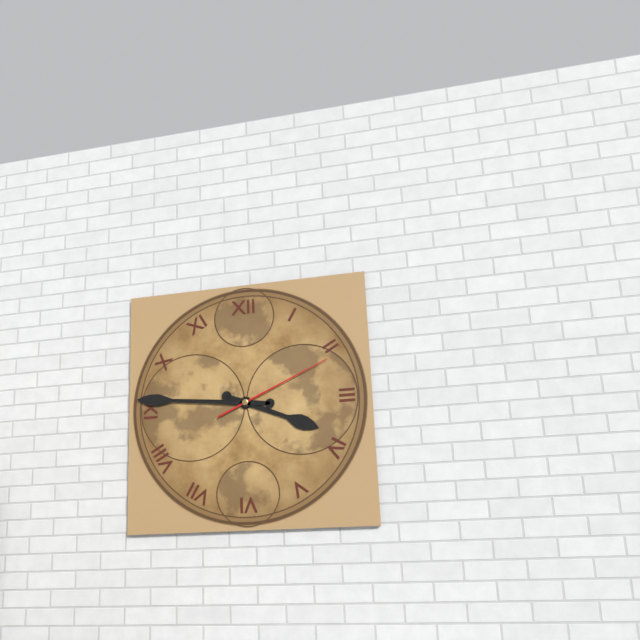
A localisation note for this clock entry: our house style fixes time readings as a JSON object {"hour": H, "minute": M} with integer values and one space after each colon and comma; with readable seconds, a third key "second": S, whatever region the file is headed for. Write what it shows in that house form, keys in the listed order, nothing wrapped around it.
{"hour": 3, "minute": 46, "second": 11}
